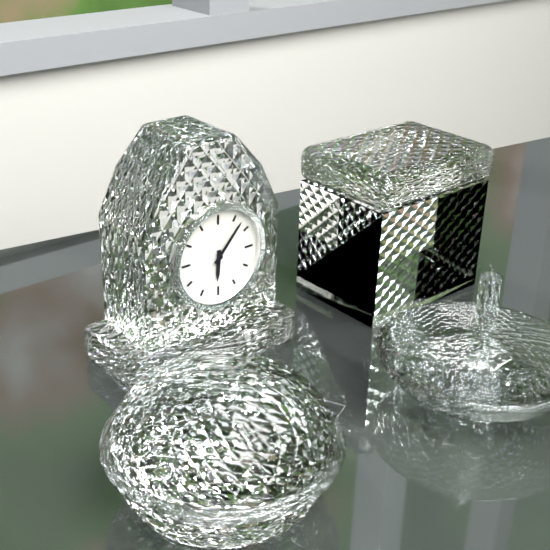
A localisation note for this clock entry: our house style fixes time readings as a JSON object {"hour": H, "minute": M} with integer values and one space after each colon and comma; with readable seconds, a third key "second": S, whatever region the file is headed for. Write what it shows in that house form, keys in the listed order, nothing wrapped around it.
{"hour": 6, "minute": 7}
